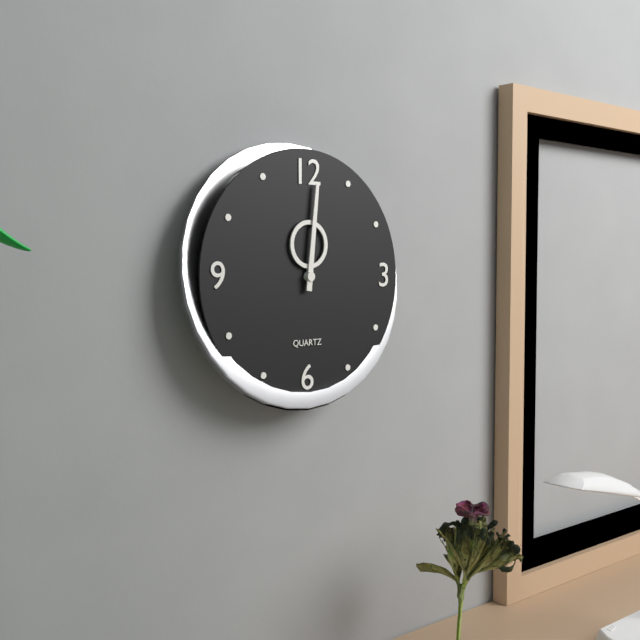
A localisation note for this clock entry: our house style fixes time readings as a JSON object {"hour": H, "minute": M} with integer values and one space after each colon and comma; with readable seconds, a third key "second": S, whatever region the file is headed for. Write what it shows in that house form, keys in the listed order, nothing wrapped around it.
{"hour": 12, "minute": 1}
